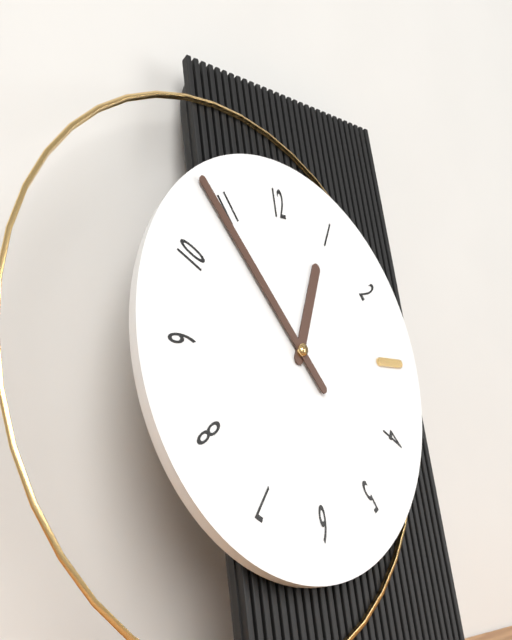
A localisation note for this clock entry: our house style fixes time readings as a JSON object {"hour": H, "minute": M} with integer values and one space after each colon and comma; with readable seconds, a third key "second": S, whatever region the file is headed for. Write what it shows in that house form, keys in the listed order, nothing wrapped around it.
{"hour": 12, "minute": 54}
